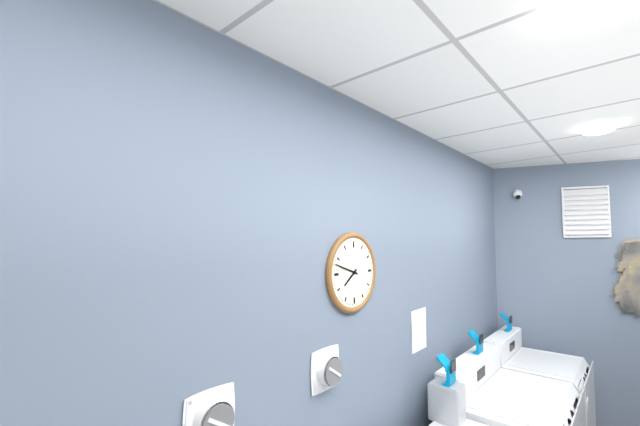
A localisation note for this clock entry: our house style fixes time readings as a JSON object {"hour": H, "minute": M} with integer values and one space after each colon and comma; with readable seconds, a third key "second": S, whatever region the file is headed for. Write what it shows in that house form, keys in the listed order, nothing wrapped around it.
{"hour": 7, "minute": 48}
